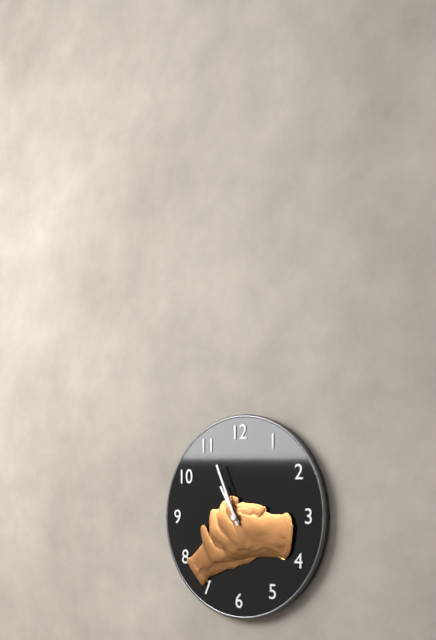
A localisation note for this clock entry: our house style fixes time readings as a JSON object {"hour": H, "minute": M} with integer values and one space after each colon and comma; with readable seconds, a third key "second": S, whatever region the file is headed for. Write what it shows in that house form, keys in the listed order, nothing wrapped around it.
{"hour": 10, "minute": 56}
